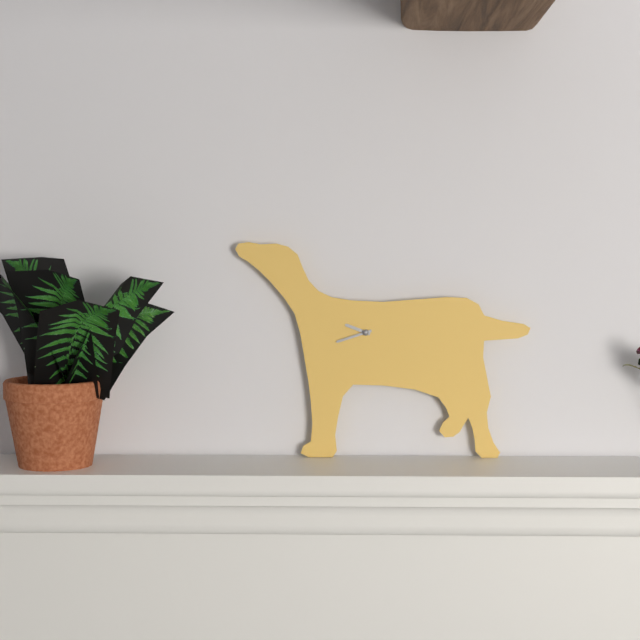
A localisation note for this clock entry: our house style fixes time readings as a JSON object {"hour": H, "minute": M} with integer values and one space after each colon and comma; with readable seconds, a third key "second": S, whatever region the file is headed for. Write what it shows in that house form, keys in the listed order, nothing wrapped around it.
{"hour": 9, "minute": 42}
